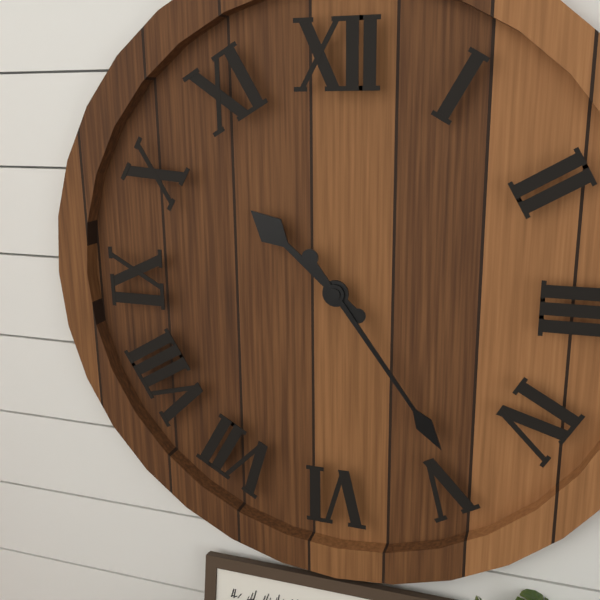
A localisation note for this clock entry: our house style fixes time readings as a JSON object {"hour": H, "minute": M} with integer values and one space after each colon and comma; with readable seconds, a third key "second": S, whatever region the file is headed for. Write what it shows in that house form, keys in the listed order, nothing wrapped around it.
{"hour": 10, "minute": 24}
